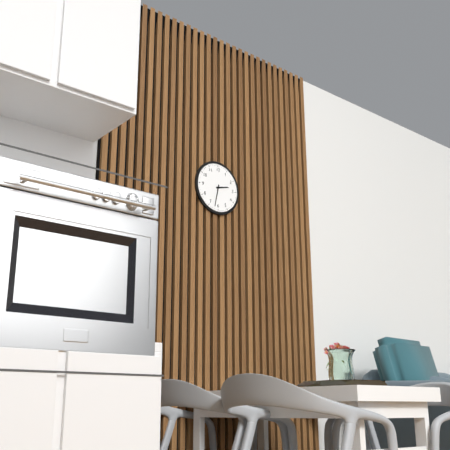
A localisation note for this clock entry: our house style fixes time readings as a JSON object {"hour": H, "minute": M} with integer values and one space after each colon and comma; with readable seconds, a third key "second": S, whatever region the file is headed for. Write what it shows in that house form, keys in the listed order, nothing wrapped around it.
{"hour": 2, "minute": 32}
